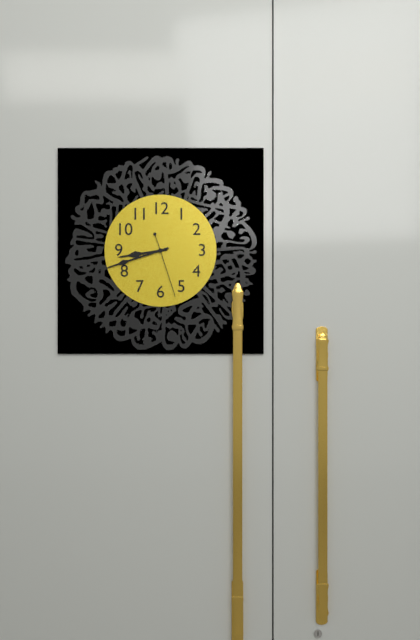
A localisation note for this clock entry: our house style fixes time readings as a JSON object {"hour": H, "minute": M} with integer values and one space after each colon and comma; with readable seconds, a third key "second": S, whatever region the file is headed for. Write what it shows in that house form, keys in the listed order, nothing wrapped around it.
{"hour": 8, "minute": 42, "second": 27}
